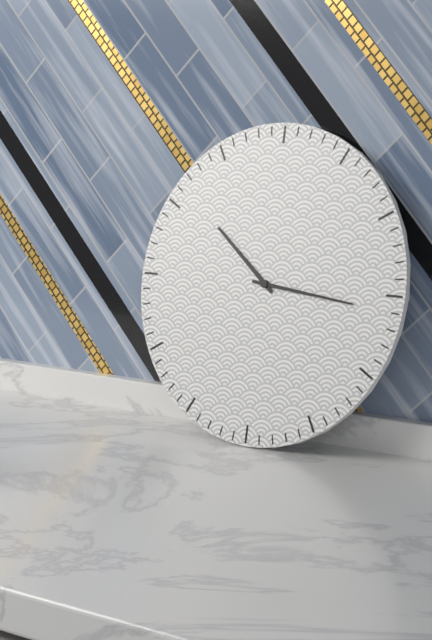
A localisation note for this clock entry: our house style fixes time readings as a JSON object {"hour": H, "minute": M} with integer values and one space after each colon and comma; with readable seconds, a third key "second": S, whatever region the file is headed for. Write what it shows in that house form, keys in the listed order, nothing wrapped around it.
{"hour": 10, "minute": 16}
